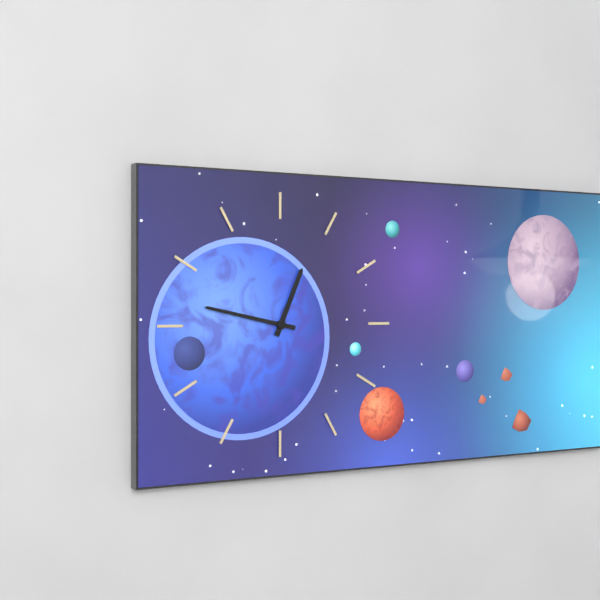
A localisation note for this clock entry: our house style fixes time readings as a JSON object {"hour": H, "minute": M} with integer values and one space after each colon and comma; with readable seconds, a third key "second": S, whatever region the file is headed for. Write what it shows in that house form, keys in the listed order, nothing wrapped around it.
{"hour": 12, "minute": 47}
